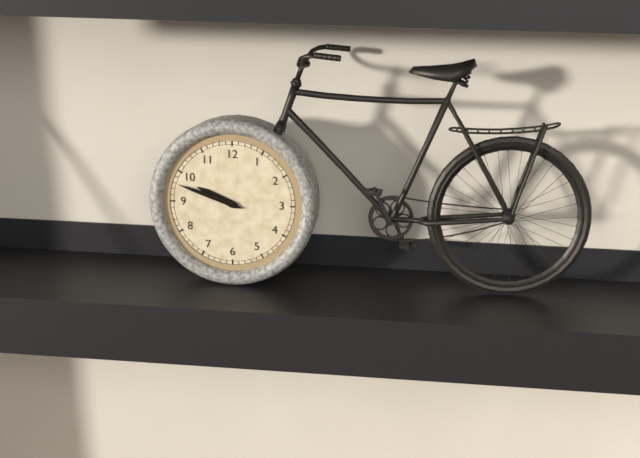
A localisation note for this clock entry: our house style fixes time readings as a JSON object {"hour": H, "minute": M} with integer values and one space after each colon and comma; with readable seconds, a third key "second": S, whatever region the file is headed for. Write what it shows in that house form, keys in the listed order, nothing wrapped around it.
{"hour": 9, "minute": 48}
